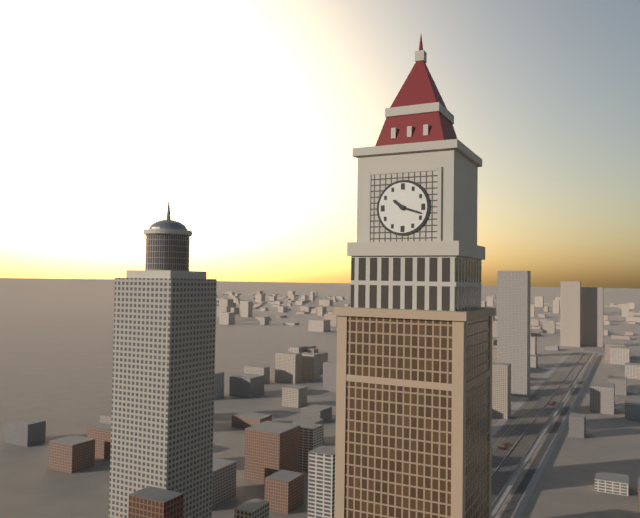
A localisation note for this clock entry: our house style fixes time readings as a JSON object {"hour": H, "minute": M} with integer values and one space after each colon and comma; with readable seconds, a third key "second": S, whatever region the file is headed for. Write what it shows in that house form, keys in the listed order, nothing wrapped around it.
{"hour": 10, "minute": 18}
